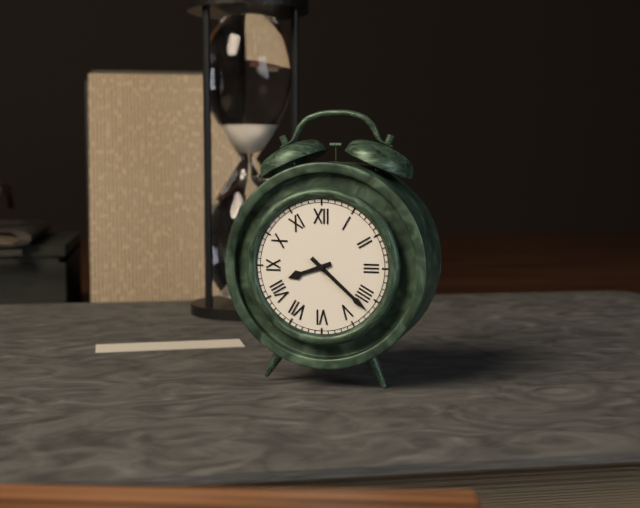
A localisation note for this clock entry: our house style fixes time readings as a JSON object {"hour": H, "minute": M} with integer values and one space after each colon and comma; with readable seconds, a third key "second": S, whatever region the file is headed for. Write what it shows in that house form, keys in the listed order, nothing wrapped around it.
{"hour": 8, "minute": 22}
